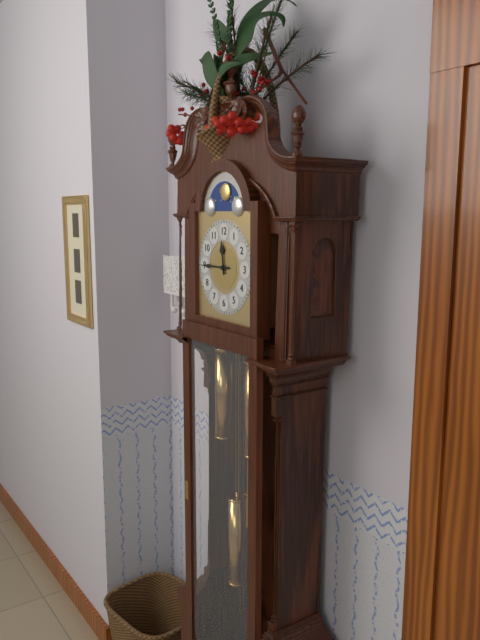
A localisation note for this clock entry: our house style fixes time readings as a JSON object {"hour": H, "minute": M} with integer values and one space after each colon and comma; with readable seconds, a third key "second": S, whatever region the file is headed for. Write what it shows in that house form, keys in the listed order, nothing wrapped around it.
{"hour": 11, "minute": 45}
